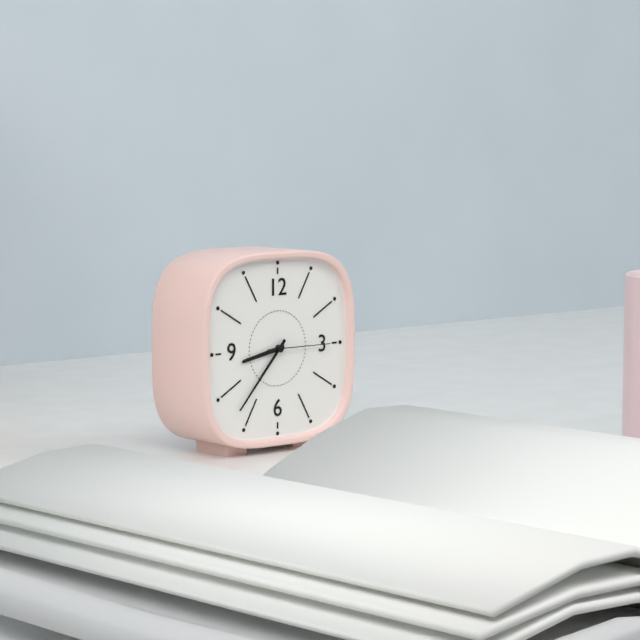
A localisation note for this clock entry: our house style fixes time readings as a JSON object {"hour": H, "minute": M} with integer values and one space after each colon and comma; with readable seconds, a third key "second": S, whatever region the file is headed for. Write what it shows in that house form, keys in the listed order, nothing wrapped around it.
{"hour": 8, "minute": 37, "second": 15}
